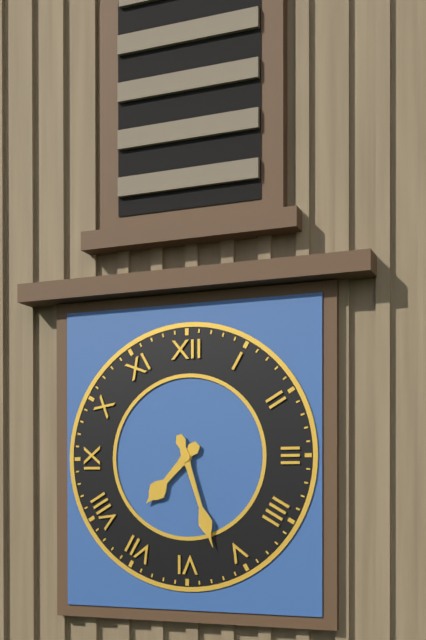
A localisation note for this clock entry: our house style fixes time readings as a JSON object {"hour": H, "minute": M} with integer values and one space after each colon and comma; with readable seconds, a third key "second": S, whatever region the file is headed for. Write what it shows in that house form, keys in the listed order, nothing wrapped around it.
{"hour": 7, "minute": 27}
